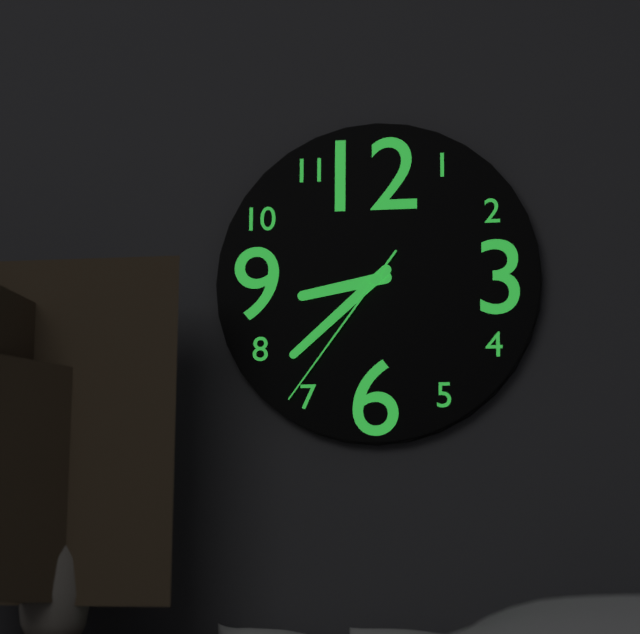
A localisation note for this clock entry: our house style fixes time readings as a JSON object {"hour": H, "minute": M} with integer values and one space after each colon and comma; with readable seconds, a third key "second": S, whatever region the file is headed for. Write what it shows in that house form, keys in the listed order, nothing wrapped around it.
{"hour": 8, "minute": 38, "second": 36}
